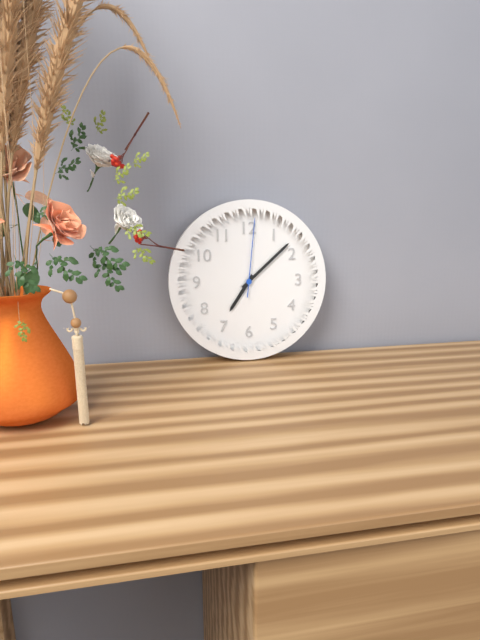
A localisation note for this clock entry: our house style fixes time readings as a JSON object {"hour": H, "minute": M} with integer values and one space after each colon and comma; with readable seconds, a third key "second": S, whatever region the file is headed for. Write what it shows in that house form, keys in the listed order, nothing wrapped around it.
{"hour": 7, "minute": 8, "second": 1}
